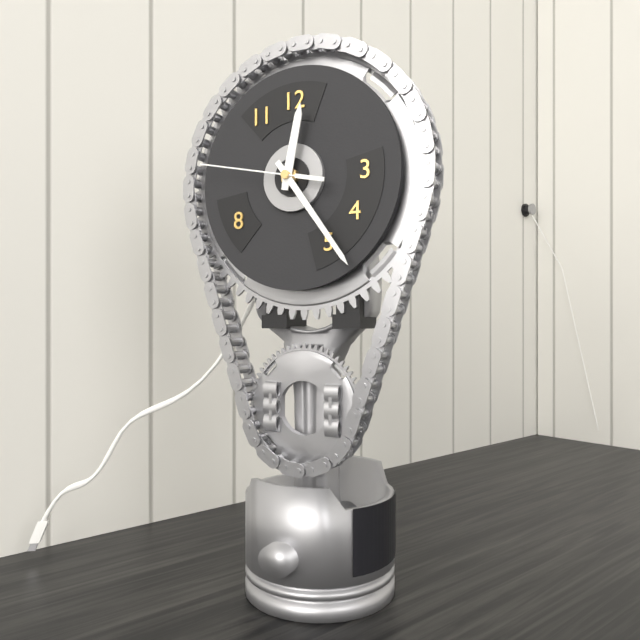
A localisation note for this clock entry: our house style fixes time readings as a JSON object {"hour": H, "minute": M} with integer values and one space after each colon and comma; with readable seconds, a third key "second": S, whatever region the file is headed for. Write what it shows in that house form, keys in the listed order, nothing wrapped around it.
{"hour": 12, "minute": 24, "second": 47}
